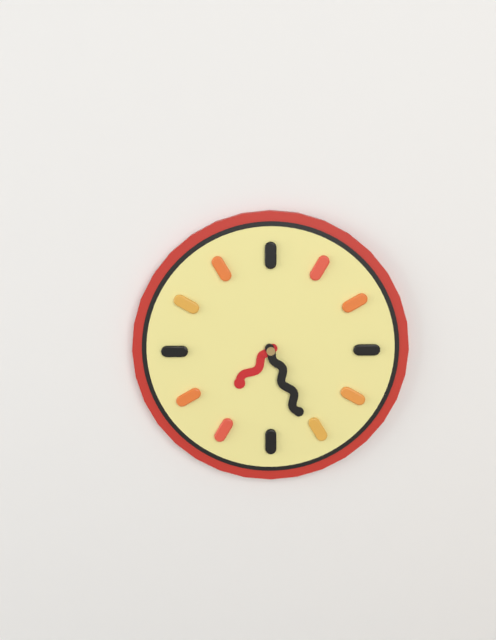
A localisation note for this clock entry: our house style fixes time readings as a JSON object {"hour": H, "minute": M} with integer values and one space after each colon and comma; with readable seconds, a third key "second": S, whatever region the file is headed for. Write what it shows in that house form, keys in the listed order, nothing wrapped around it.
{"hour": 7, "minute": 26}
